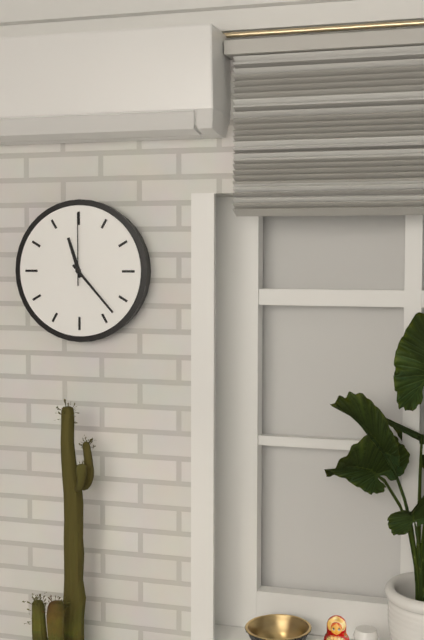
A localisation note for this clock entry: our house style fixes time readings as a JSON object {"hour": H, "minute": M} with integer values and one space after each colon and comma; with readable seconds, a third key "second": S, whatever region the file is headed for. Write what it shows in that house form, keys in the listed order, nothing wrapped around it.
{"hour": 11, "minute": 23, "second": 0}
